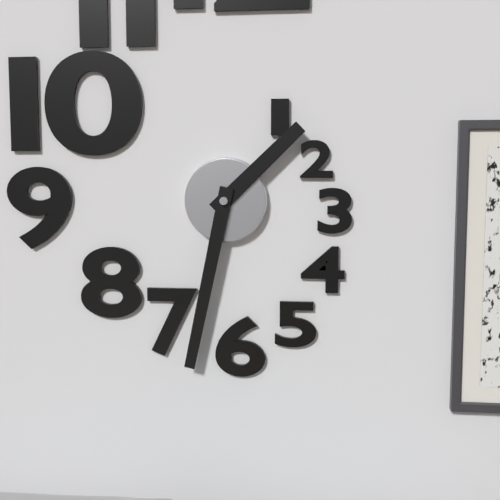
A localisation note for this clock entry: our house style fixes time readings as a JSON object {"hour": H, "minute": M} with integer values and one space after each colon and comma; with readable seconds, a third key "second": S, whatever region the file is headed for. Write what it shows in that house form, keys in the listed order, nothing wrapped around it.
{"hour": 1, "minute": 32}
